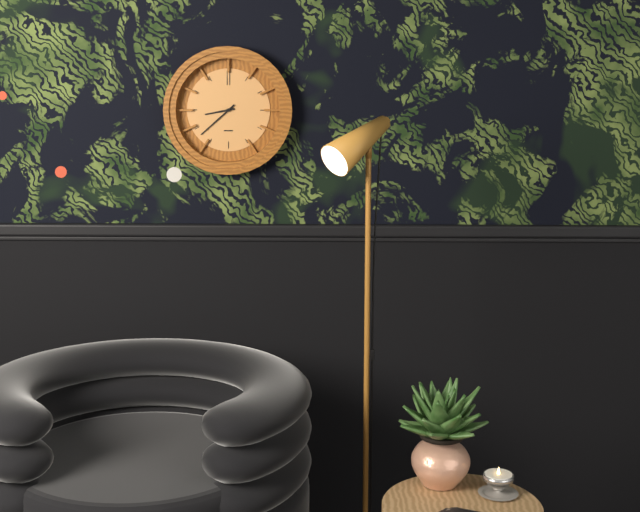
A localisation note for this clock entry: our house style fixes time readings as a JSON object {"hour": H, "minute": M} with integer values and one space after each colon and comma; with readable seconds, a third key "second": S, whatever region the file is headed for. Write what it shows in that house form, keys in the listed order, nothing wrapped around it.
{"hour": 8, "minute": 38}
